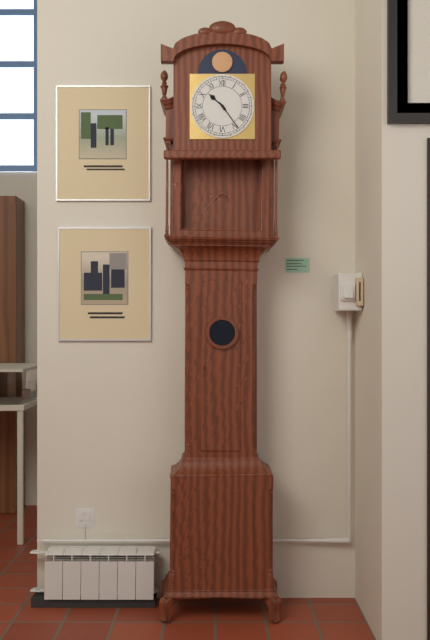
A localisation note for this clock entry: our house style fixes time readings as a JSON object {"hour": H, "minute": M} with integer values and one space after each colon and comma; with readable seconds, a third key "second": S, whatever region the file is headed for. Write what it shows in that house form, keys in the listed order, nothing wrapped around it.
{"hour": 10, "minute": 24}
